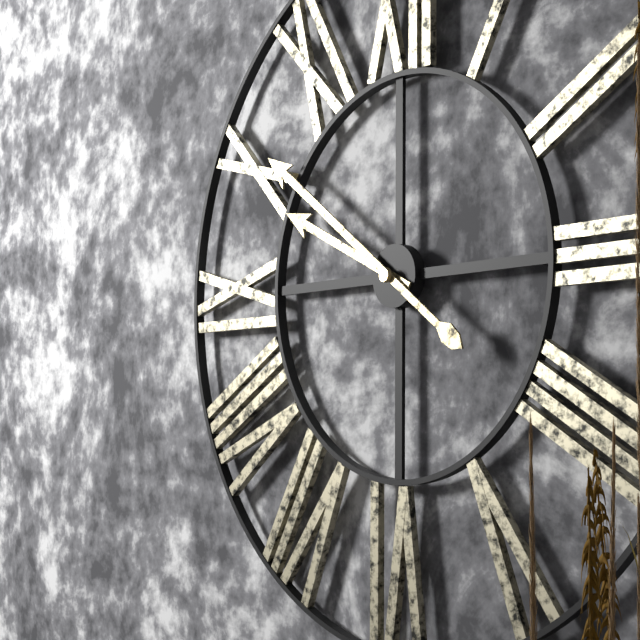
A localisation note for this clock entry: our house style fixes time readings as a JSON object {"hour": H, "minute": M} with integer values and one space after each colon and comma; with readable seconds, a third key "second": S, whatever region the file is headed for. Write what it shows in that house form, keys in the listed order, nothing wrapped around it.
{"hour": 9, "minute": 51}
